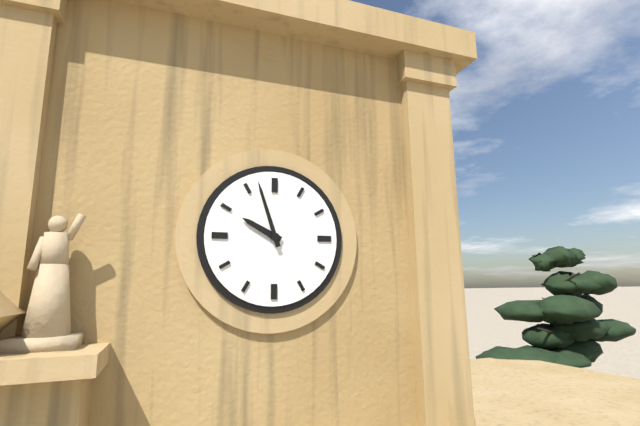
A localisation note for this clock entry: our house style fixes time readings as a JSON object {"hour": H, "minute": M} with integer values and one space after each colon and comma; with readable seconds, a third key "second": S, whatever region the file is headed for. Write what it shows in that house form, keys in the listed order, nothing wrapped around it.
{"hour": 9, "minute": 57}
